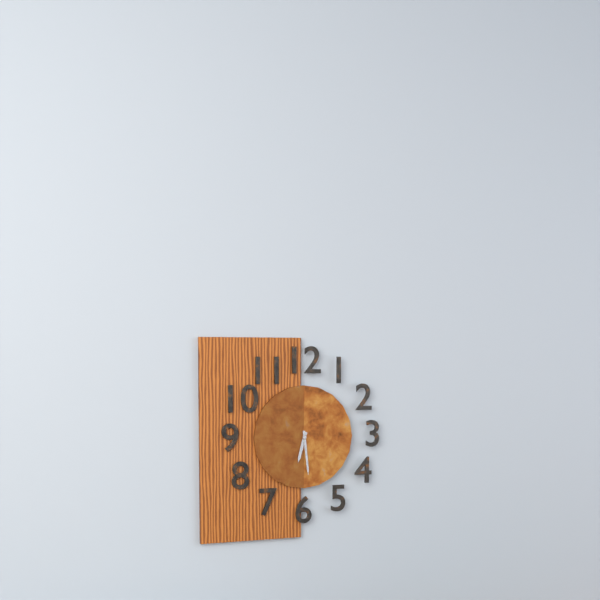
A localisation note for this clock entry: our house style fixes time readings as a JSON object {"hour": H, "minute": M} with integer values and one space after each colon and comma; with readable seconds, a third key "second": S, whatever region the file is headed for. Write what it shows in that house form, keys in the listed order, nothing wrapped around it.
{"hour": 6, "minute": 29}
